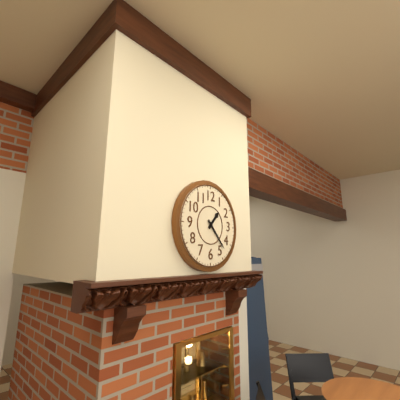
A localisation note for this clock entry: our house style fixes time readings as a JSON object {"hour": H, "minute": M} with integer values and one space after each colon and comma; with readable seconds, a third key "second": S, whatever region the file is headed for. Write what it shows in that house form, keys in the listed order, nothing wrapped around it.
{"hour": 1, "minute": 23}
